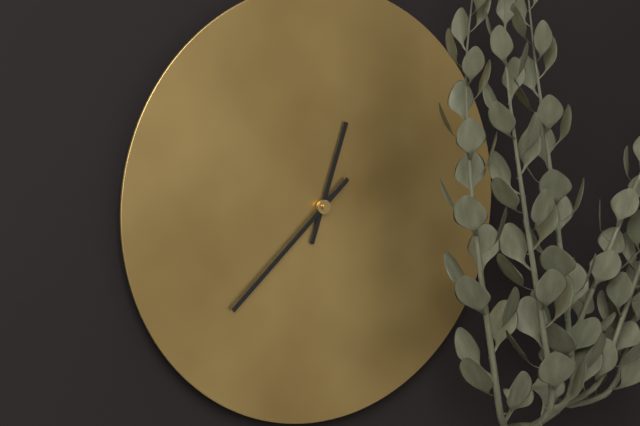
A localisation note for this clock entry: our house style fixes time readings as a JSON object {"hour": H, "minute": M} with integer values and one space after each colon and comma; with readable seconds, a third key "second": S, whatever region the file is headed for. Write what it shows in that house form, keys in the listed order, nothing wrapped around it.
{"hour": 12, "minute": 38}
